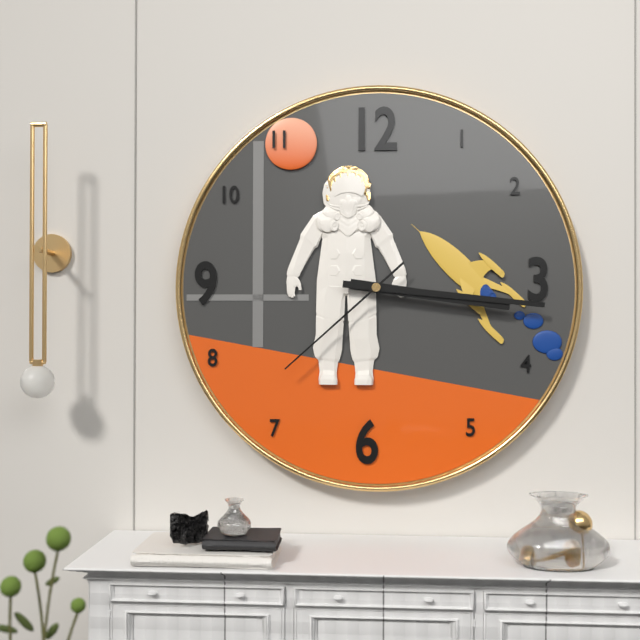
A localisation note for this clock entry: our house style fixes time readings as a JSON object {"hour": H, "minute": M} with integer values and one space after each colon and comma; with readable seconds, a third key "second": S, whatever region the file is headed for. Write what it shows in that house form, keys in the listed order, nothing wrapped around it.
{"hour": 3, "minute": 16, "second": 38}
